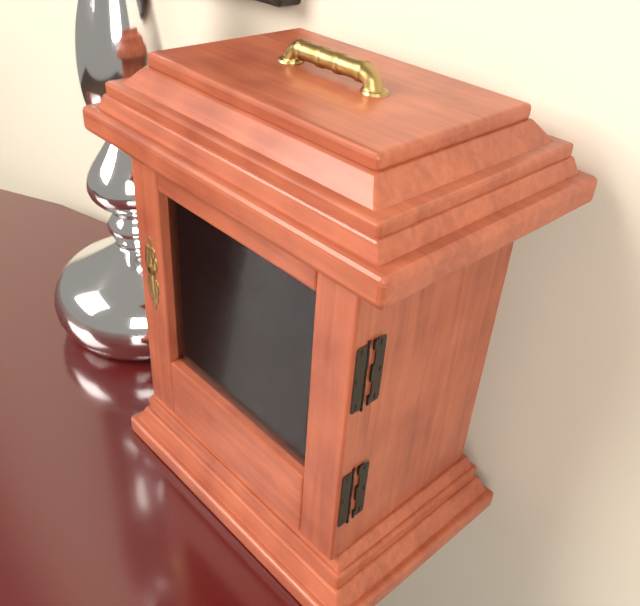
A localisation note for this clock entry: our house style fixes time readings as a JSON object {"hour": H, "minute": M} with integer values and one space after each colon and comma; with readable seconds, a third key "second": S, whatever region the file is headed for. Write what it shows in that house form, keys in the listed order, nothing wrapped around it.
{"hour": 3, "minute": 15}
